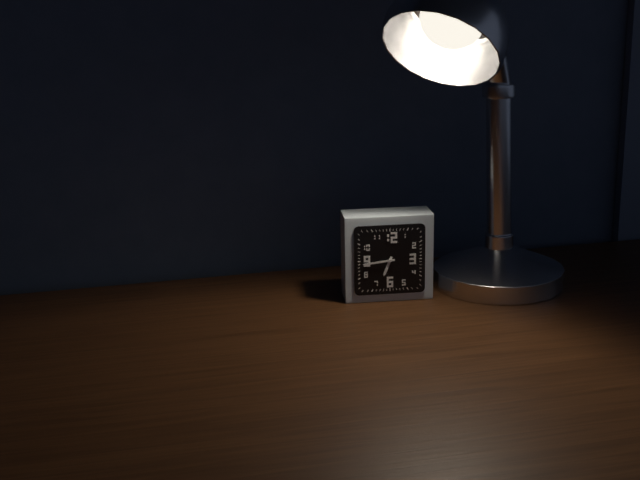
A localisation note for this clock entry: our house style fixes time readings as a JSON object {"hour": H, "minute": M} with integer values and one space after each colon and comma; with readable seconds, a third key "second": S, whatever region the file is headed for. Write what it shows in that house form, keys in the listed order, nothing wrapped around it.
{"hour": 6, "minute": 44}
